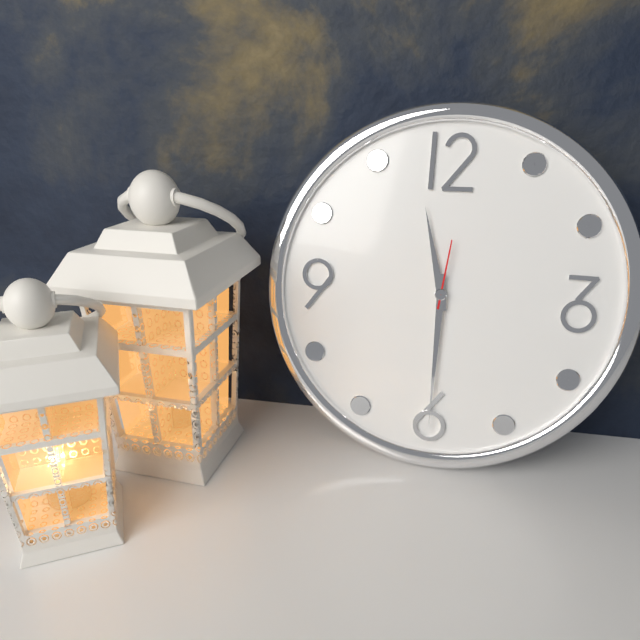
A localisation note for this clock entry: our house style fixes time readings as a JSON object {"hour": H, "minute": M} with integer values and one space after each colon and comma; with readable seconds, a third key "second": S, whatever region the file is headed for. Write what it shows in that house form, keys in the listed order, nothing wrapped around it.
{"hour": 11, "minute": 30, "second": 1}
